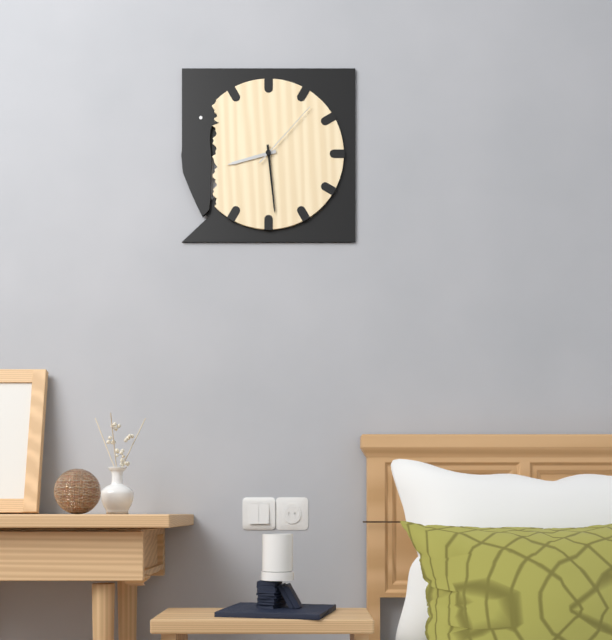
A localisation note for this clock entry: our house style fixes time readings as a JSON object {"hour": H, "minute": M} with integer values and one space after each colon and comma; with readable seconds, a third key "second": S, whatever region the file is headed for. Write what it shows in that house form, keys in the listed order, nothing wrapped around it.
{"hour": 8, "minute": 29, "second": 7}
